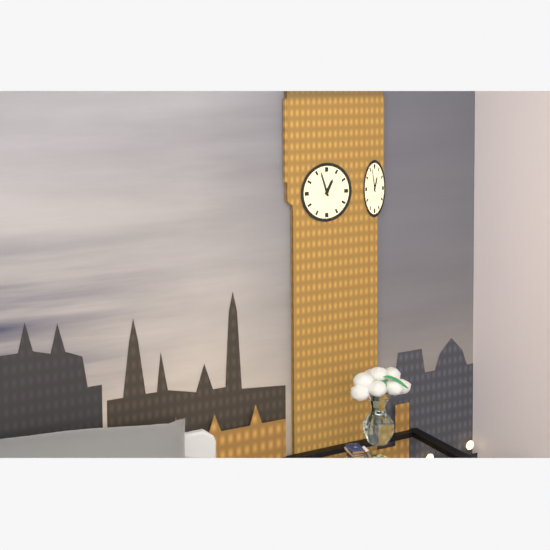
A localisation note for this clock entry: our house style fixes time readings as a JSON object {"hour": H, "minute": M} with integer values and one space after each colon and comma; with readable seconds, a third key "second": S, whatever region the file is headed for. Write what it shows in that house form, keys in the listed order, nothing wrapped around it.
{"hour": 12, "minute": 57}
